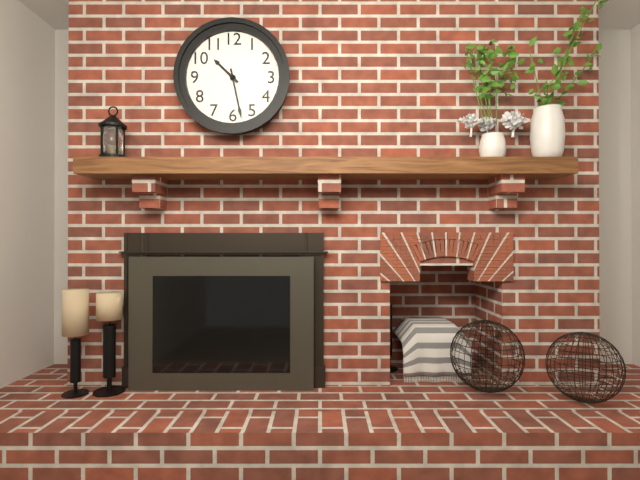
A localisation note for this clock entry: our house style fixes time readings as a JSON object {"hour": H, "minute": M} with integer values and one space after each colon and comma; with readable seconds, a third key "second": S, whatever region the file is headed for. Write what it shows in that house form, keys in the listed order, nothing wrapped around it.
{"hour": 10, "minute": 28}
